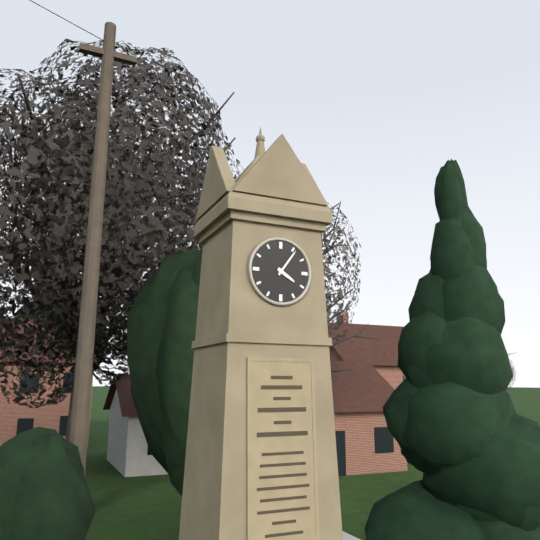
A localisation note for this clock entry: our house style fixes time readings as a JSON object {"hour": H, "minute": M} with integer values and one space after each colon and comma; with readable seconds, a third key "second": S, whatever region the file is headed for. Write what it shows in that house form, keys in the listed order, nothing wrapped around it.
{"hour": 4, "minute": 6}
